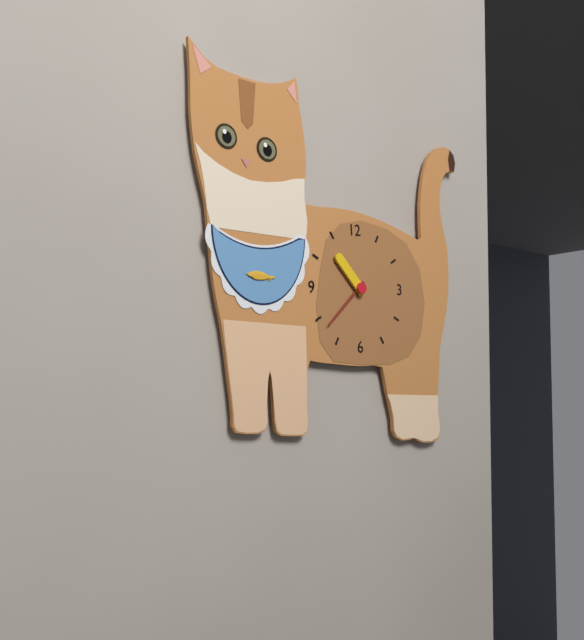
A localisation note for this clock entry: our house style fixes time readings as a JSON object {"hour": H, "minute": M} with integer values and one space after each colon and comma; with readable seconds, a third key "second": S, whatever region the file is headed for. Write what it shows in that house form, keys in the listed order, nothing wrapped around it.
{"hour": 10, "minute": 38}
